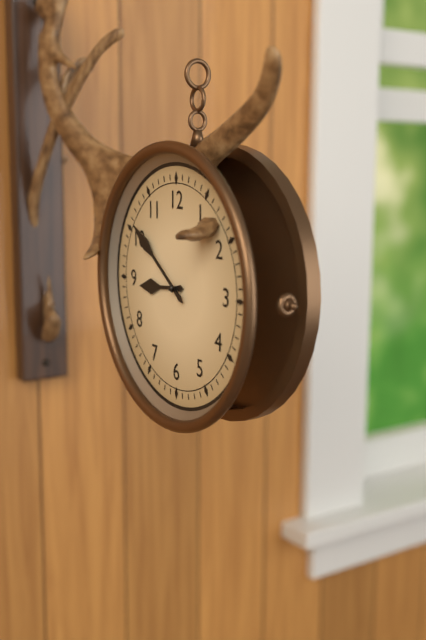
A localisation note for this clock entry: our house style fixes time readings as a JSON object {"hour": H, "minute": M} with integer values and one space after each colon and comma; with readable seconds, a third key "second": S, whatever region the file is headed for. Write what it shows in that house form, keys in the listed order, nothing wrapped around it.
{"hour": 8, "minute": 51}
